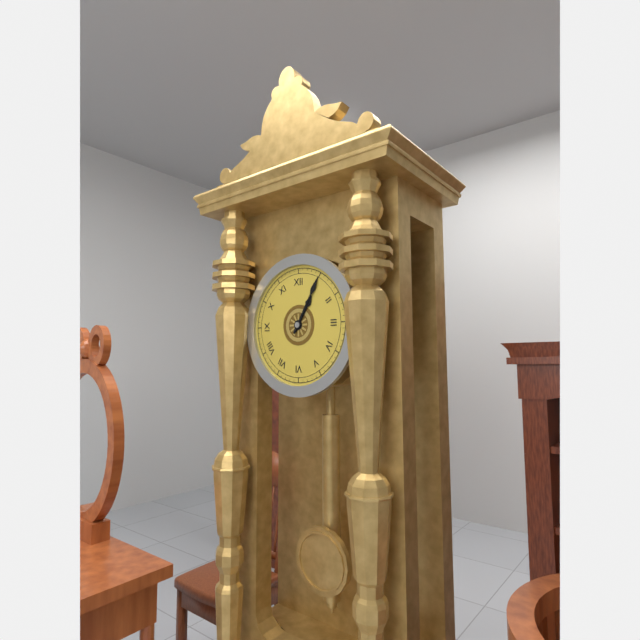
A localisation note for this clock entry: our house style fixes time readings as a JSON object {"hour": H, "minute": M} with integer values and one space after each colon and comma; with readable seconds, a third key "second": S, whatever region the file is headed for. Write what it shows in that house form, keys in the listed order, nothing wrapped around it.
{"hour": 1, "minute": 5}
